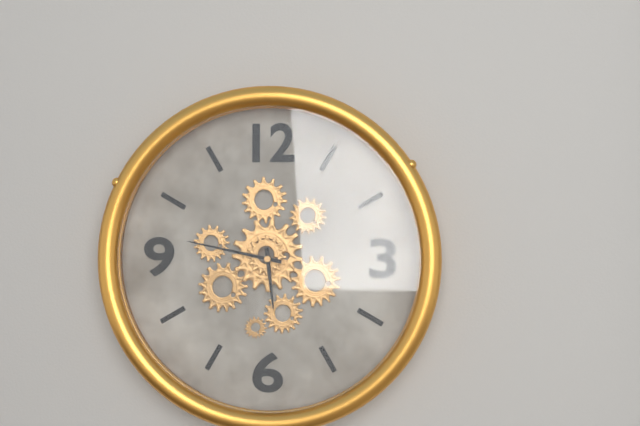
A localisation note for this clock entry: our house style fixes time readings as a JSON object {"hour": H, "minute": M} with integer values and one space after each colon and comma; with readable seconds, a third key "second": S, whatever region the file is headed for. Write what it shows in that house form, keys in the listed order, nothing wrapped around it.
{"hour": 5, "minute": 47}
